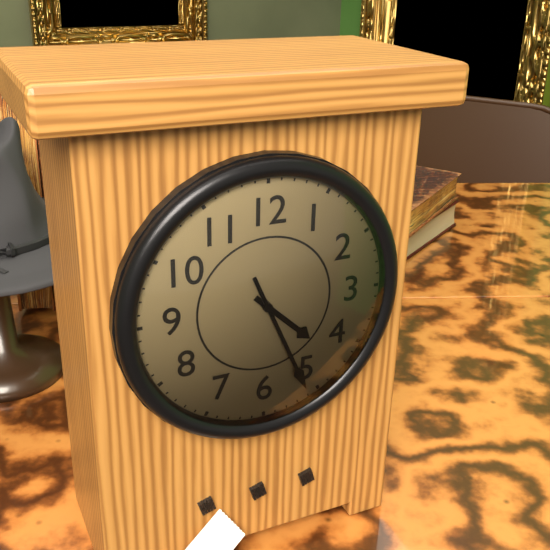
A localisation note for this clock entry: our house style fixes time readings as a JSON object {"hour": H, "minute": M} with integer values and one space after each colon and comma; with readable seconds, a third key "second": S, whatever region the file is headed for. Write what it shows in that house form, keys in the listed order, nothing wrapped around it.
{"hour": 4, "minute": 26}
